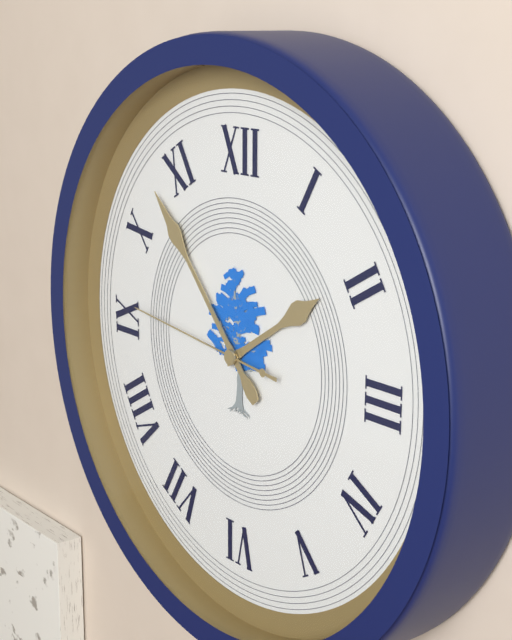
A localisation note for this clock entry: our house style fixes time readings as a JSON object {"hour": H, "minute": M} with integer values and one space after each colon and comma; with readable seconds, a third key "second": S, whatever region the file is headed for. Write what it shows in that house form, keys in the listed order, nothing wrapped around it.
{"hour": 1, "minute": 53, "second": 46}
